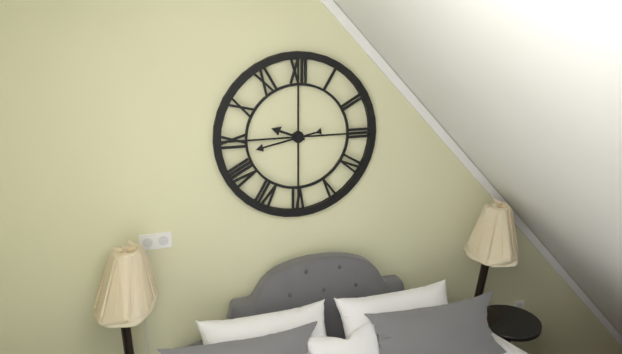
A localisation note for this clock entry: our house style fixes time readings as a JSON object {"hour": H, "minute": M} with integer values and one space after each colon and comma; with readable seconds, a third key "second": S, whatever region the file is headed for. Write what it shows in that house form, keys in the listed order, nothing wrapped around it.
{"hour": 9, "minute": 43}
